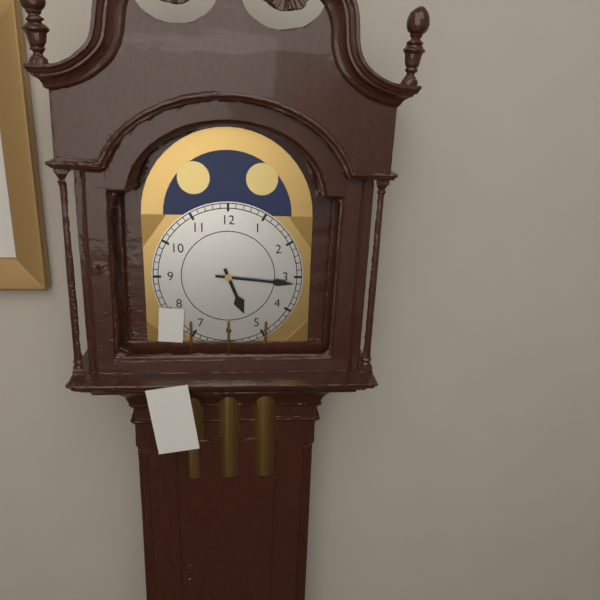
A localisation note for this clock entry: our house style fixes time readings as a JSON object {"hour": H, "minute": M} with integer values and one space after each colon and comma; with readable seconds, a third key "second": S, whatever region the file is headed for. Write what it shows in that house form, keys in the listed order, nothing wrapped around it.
{"hour": 5, "minute": 16}
